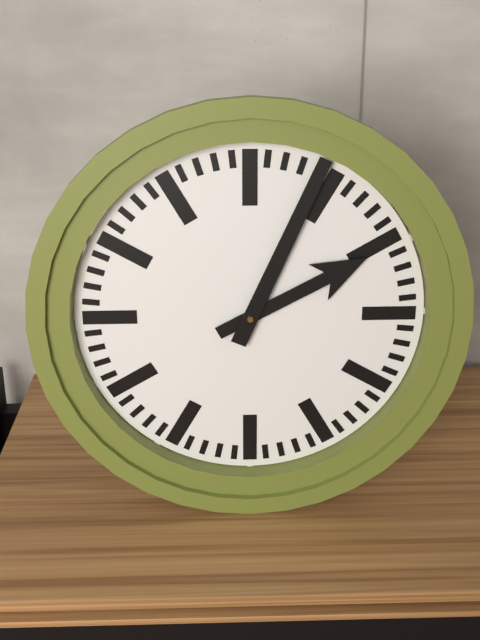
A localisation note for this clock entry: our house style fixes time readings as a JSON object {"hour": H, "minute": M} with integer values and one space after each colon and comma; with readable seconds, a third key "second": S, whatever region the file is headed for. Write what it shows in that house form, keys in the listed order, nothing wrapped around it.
{"hour": 2, "minute": 4}
